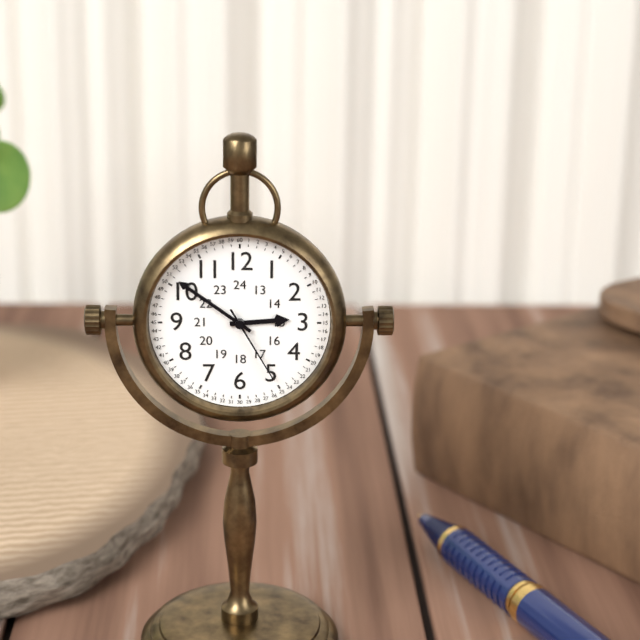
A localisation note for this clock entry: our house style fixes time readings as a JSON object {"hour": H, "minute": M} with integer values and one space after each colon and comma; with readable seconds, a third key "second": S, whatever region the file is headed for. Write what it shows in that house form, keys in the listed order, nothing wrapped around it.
{"hour": 2, "minute": 51, "second": 25}
